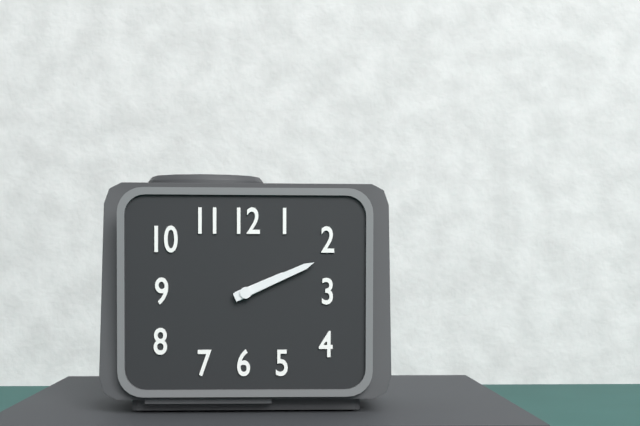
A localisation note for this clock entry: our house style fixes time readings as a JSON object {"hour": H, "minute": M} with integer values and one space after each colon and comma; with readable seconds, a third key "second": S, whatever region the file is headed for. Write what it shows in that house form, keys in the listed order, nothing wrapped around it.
{"hour": 2, "minute": 11}
